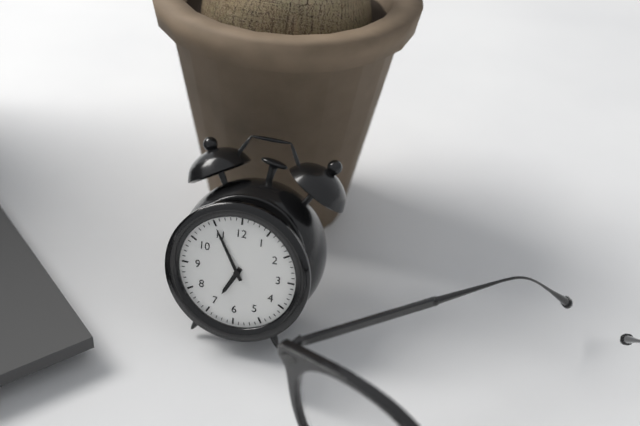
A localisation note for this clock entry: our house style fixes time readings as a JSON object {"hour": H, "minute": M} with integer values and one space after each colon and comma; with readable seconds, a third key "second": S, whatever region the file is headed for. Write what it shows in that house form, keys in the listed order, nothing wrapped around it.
{"hour": 6, "minute": 55}
